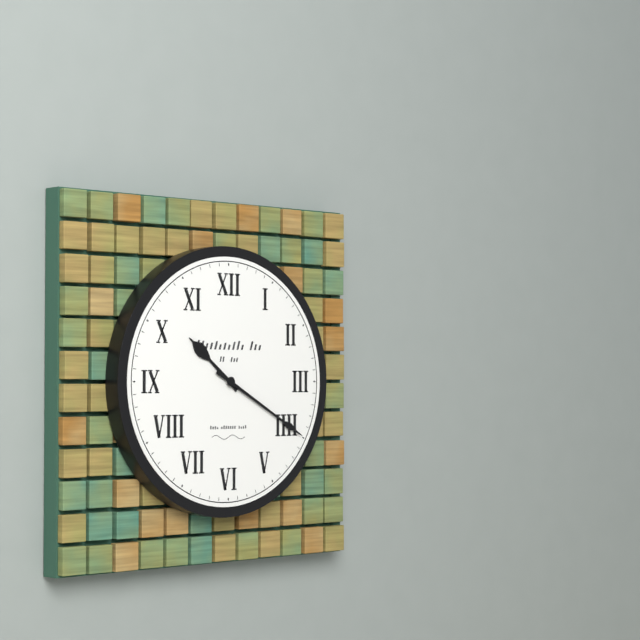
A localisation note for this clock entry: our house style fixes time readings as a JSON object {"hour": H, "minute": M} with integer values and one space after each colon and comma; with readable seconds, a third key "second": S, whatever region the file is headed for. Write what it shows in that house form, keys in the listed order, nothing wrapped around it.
{"hour": 10, "minute": 20}
